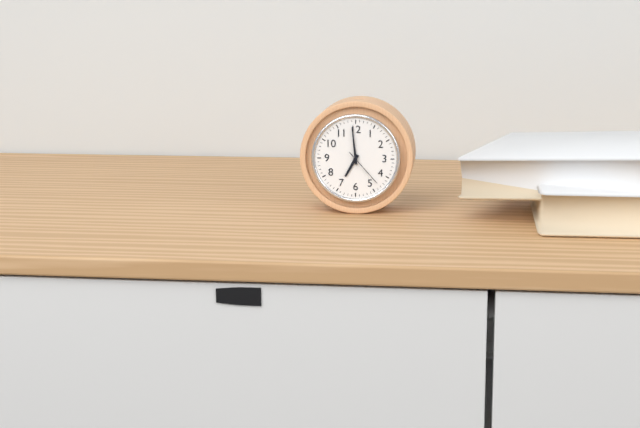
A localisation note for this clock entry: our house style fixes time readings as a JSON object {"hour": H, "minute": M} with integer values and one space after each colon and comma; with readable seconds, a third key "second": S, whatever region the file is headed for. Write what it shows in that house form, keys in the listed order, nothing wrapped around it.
{"hour": 6, "minute": 59}
